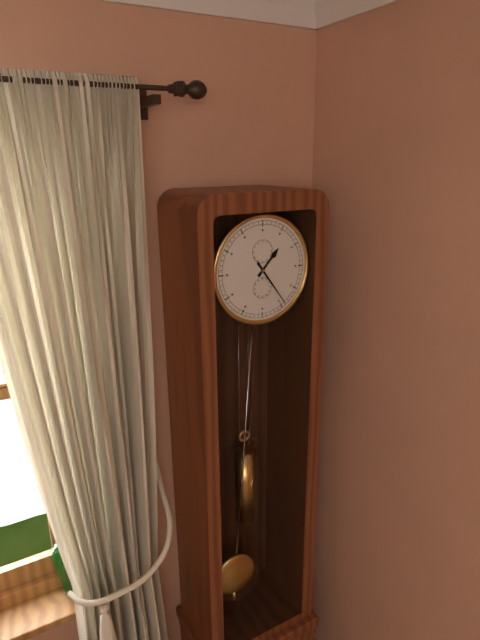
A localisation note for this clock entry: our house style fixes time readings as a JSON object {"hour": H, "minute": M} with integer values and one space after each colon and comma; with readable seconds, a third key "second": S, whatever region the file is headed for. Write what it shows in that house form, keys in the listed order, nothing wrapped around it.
{"hour": 1, "minute": 24}
